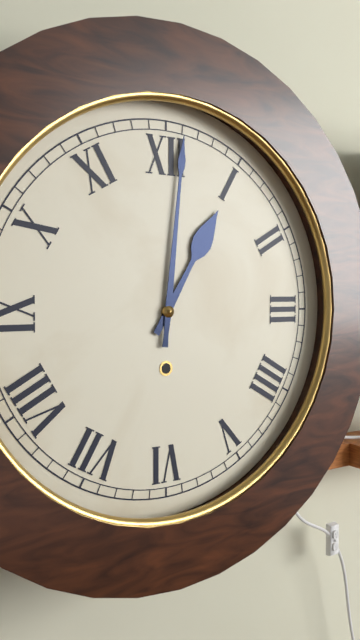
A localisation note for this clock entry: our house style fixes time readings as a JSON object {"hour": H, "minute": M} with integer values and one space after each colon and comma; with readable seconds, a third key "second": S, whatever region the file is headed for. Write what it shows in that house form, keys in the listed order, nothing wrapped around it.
{"hour": 1, "minute": 1}
